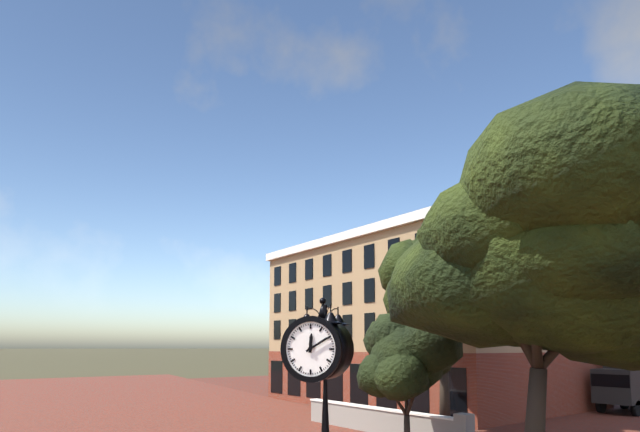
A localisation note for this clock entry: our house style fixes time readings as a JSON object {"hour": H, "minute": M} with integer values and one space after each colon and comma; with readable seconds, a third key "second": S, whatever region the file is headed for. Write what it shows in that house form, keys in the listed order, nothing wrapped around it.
{"hour": 12, "minute": 10}
